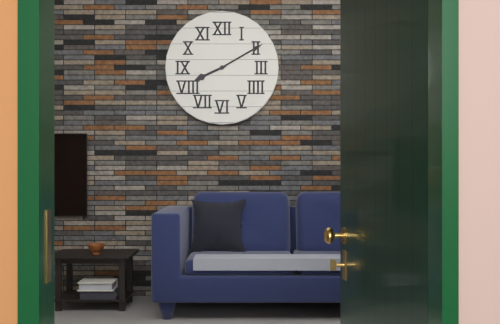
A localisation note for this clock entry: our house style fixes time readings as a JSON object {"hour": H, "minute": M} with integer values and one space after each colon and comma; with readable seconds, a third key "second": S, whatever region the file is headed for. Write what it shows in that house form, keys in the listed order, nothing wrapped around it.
{"hour": 8, "minute": 10}
